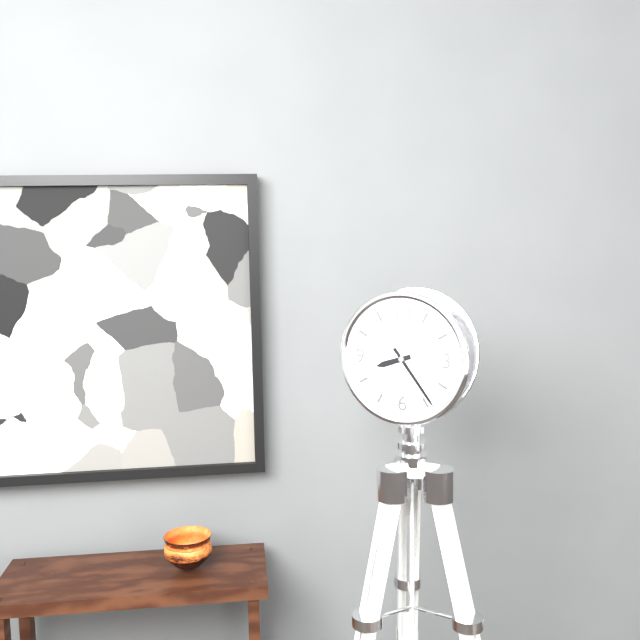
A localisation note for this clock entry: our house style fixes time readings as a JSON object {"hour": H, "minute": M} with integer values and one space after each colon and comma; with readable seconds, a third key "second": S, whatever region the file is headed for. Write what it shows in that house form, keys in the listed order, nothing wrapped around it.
{"hour": 8, "minute": 24}
